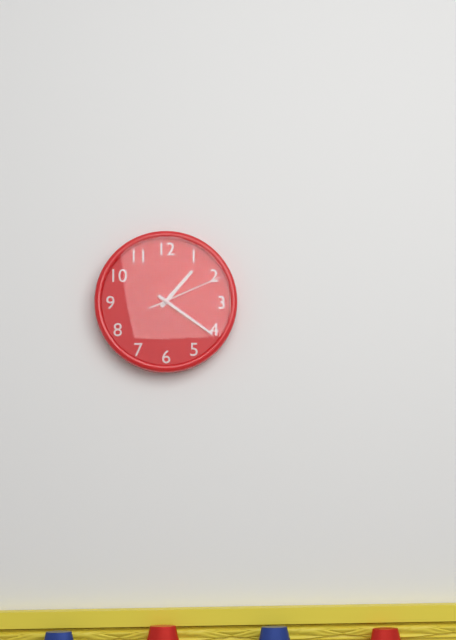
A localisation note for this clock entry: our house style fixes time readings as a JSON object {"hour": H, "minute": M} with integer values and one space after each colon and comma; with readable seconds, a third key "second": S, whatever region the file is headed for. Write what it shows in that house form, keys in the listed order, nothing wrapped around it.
{"hour": 1, "minute": 21, "second": 11}
